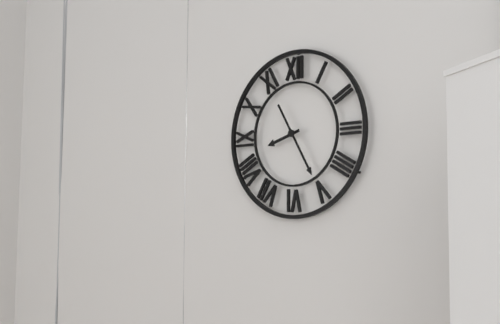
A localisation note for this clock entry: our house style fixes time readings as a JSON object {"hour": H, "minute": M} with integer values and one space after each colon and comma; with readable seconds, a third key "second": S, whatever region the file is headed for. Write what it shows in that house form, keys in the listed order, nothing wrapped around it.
{"hour": 8, "minute": 25}
